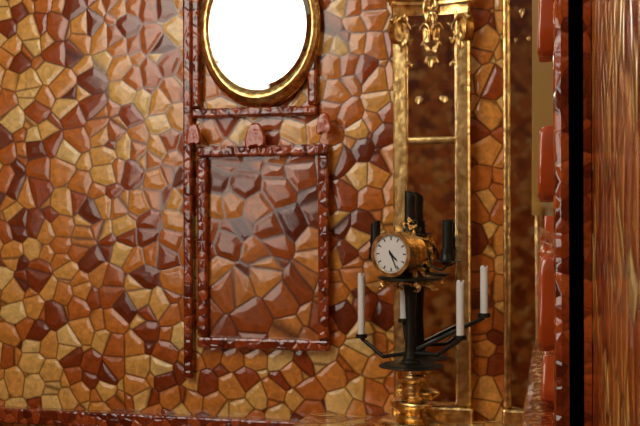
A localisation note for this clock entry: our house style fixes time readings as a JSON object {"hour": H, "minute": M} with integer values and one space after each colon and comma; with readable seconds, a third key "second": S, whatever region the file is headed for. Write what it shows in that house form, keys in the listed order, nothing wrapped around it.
{"hour": 4, "minute": 26}
